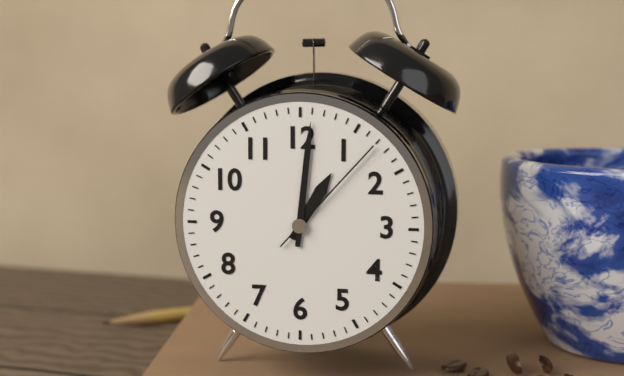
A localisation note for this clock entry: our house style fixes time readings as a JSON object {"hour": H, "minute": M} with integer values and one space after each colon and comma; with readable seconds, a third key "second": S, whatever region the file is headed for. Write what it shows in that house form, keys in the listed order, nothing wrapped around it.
{"hour": 1, "minute": 1, "second": 7}
